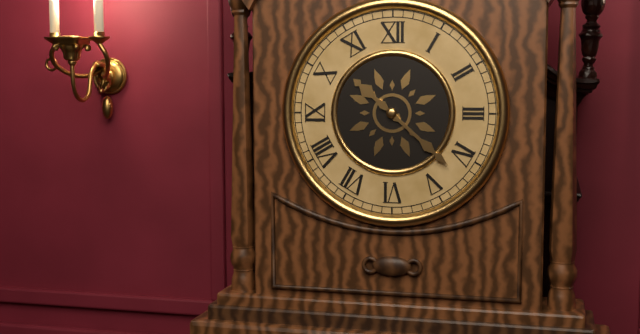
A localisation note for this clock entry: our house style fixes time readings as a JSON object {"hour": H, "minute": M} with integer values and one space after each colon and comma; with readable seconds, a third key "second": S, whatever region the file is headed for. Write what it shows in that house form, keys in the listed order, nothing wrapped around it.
{"hour": 10, "minute": 22}
